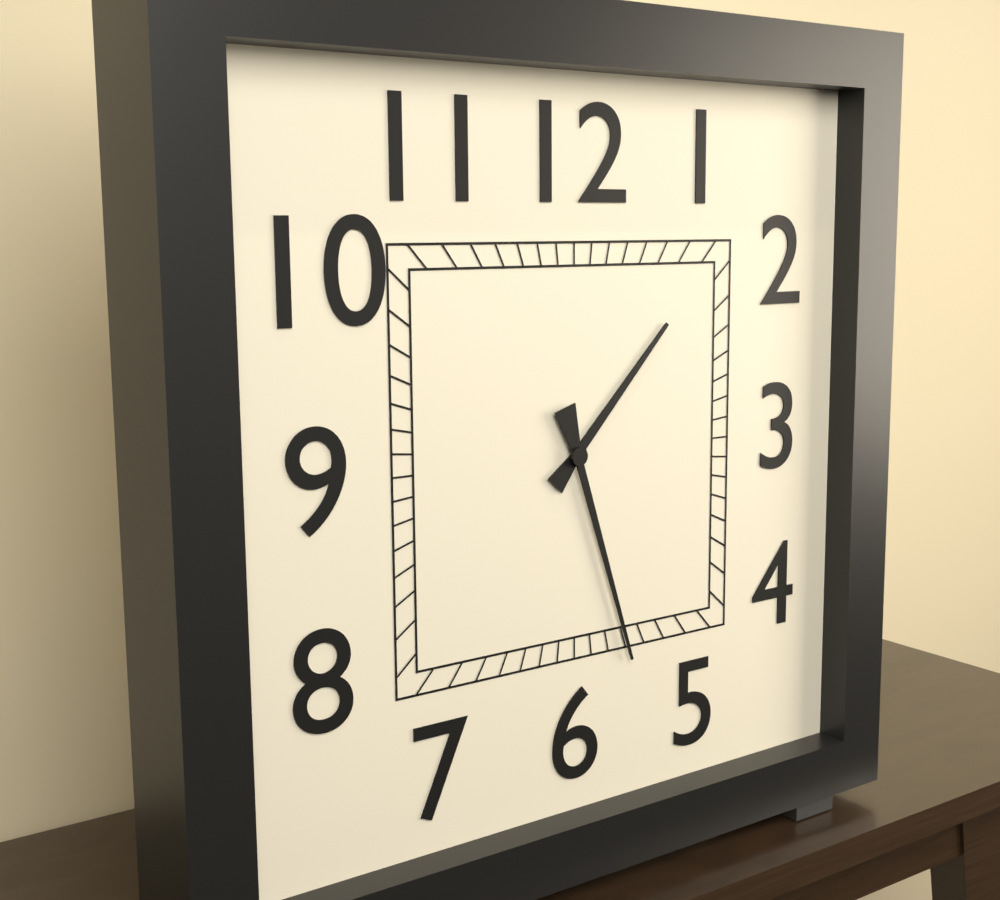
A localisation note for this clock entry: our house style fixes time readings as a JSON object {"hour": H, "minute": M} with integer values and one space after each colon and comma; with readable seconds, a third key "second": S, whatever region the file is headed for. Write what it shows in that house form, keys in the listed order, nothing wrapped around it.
{"hour": 1, "minute": 27}
